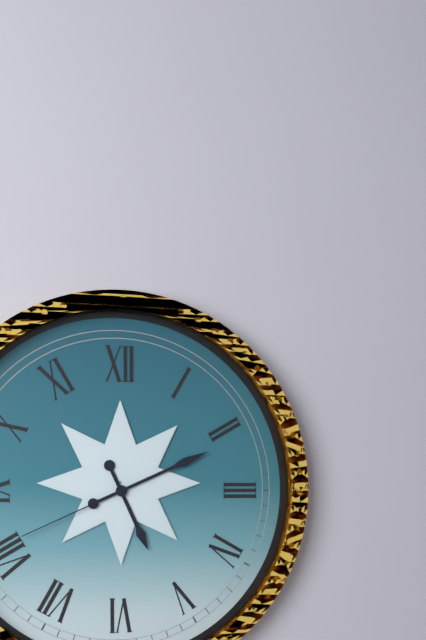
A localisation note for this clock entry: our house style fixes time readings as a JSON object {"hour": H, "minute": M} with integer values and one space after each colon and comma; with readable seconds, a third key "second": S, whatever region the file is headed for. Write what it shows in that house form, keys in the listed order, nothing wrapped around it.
{"hour": 5, "minute": 11, "second": 41}
